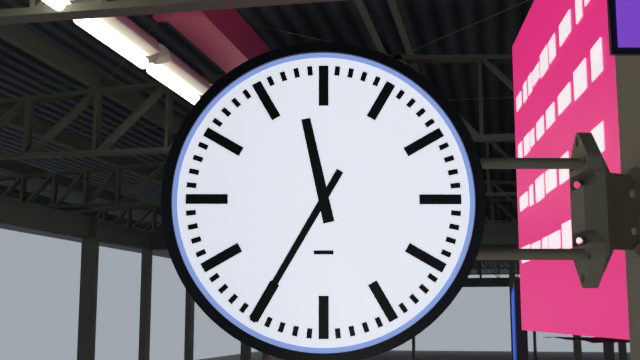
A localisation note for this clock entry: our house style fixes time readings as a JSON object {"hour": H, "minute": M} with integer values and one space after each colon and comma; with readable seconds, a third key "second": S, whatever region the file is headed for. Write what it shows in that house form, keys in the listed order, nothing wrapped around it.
{"hour": 11, "minute": 35}
